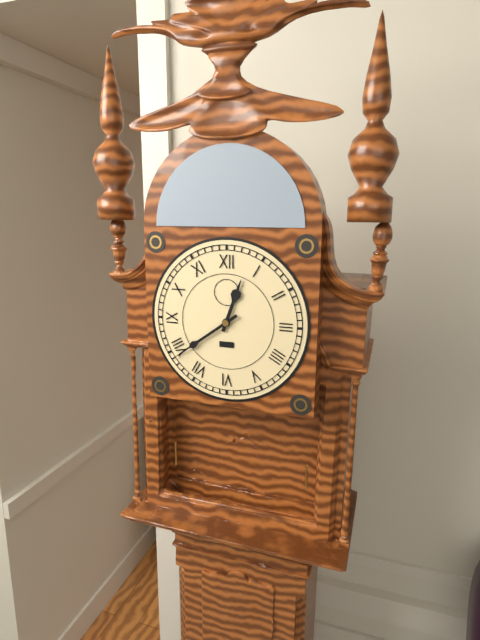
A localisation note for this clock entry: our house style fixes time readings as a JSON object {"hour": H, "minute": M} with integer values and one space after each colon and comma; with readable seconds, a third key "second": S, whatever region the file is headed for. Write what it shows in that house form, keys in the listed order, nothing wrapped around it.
{"hour": 12, "minute": 39}
